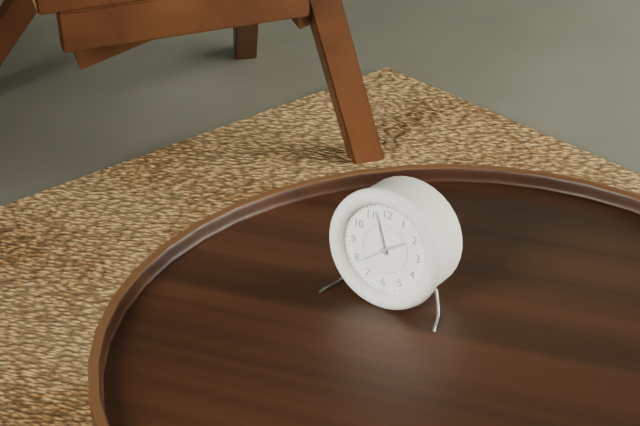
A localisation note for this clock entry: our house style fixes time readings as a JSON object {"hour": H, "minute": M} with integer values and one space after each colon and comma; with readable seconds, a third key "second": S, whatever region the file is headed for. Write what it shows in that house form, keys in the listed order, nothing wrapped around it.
{"hour": 1, "minute": 57}
